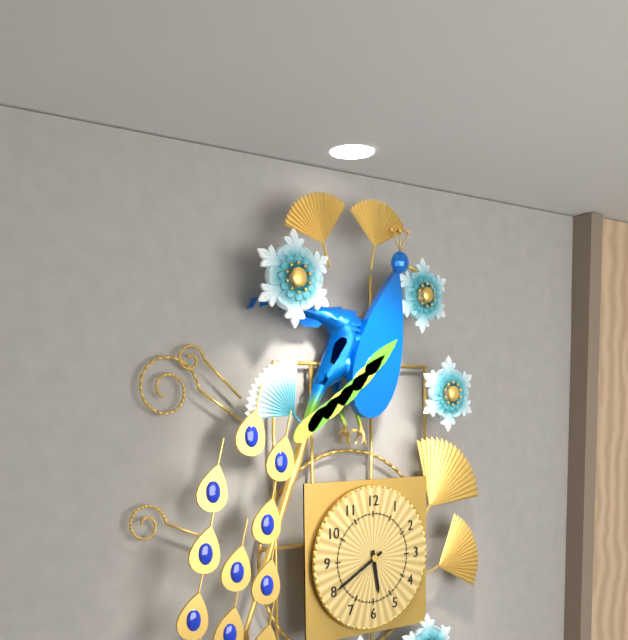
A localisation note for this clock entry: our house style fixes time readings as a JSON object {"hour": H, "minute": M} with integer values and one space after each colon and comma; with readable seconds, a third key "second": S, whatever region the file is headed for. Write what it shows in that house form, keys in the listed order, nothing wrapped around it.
{"hour": 5, "minute": 40}
